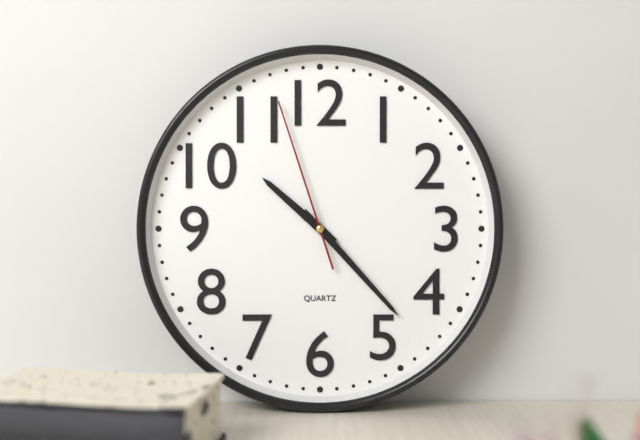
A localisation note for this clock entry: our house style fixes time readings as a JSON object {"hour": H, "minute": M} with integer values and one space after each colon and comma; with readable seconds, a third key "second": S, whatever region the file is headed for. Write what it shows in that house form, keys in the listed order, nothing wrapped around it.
{"hour": 10, "minute": 23, "second": 57}
